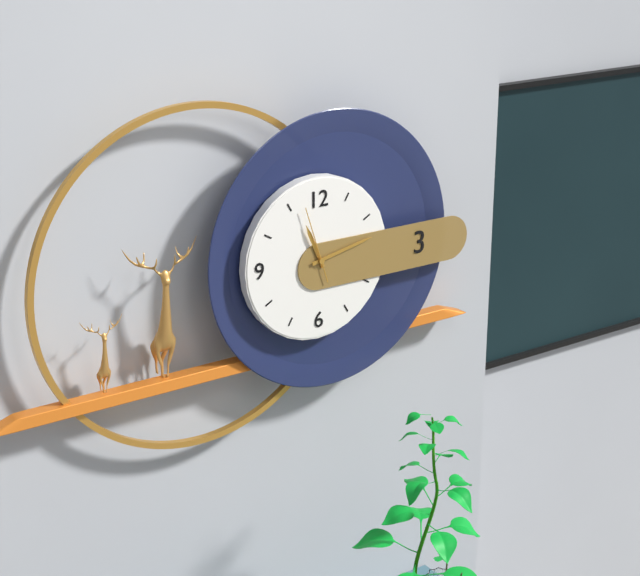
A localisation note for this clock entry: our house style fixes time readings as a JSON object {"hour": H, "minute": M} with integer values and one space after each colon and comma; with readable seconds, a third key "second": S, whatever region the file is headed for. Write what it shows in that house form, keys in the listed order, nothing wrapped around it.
{"hour": 11, "minute": 13, "second": 57}
